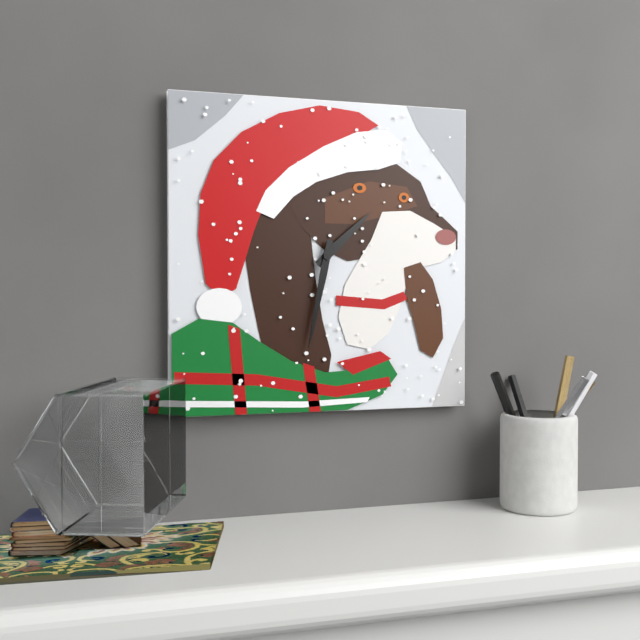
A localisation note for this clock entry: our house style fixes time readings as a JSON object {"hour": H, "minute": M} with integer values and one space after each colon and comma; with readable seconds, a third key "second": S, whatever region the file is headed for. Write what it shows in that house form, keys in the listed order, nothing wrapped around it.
{"hour": 1, "minute": 32}
